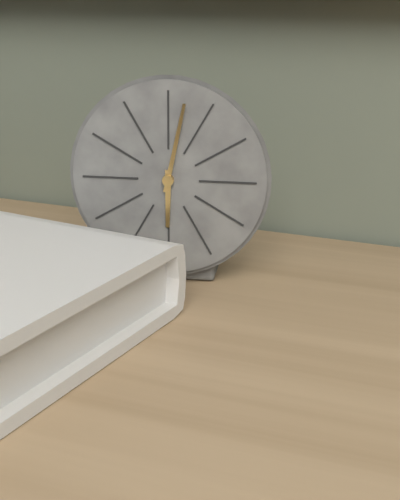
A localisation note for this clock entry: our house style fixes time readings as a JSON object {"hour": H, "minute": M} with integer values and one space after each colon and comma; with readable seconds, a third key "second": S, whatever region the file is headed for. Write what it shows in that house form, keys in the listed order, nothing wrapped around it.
{"hour": 6, "minute": 2}
